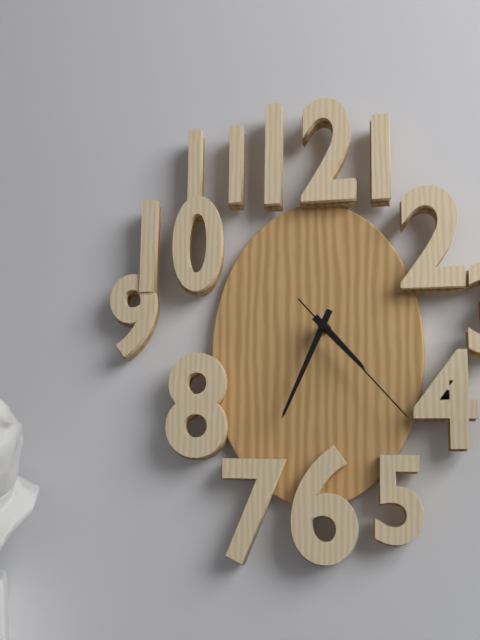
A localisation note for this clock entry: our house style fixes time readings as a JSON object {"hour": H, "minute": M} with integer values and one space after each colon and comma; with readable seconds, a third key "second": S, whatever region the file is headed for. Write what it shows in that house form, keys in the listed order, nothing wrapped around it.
{"hour": 4, "minute": 34, "second": 23}
